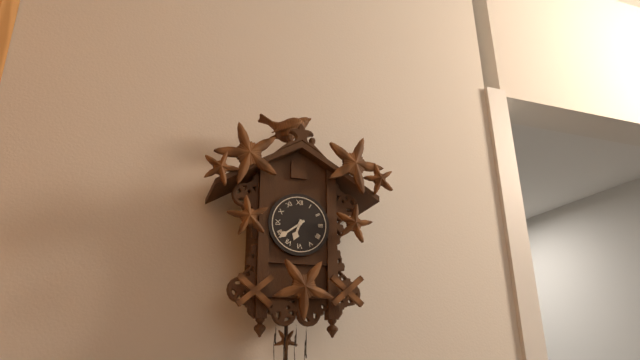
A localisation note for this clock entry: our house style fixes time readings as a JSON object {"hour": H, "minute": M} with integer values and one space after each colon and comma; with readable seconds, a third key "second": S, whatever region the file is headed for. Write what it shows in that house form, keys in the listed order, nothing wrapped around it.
{"hour": 6, "minute": 39}
